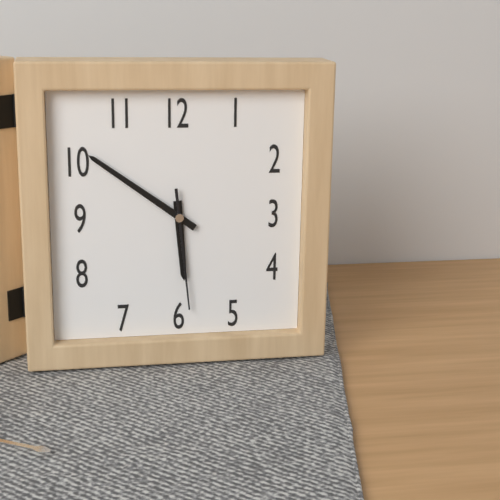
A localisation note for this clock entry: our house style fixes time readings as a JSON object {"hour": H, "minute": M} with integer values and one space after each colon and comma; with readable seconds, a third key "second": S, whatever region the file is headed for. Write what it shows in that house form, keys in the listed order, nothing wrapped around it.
{"hour": 5, "minute": 51, "second": 29}
